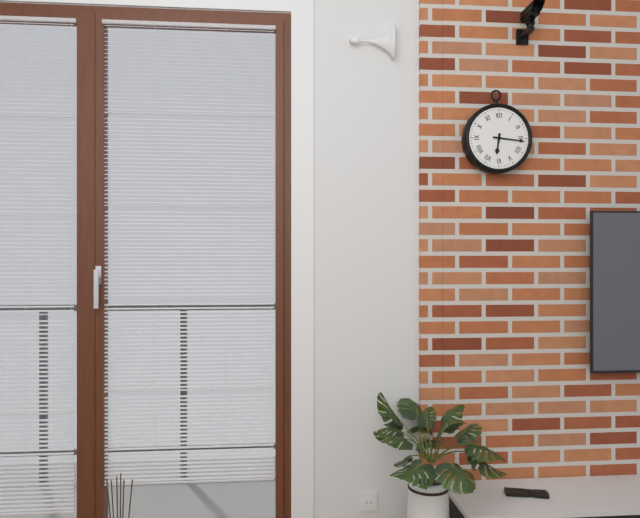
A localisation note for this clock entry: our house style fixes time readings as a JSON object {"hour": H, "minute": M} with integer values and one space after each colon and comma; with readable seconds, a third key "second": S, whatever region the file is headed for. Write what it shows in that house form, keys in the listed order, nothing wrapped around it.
{"hour": 6, "minute": 16}
